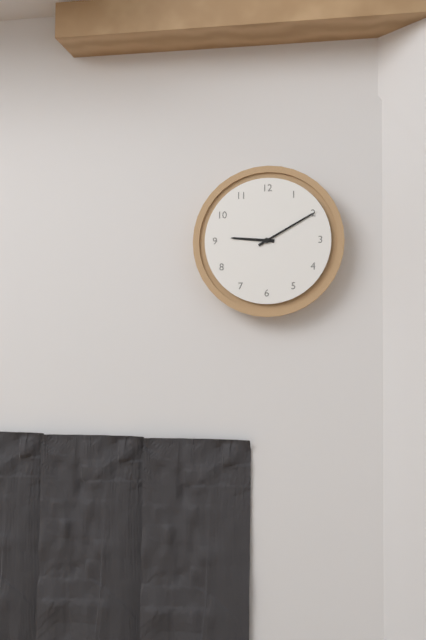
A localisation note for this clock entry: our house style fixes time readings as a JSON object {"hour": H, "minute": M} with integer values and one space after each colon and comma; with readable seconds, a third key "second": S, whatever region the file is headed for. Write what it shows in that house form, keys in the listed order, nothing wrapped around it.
{"hour": 9, "minute": 10}
